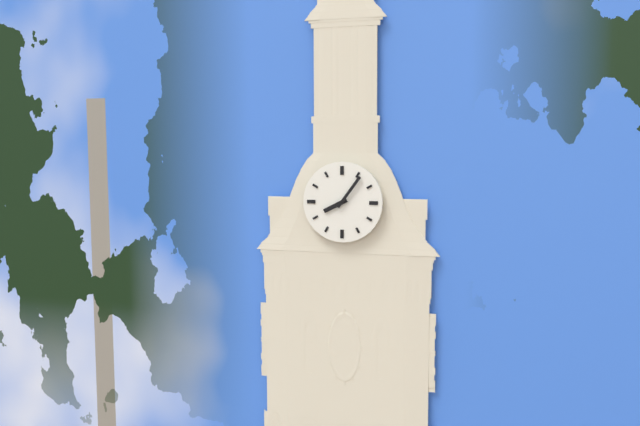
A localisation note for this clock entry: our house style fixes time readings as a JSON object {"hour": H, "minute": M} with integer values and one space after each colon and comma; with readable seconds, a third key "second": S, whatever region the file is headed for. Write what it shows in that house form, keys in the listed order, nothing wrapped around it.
{"hour": 8, "minute": 6}
